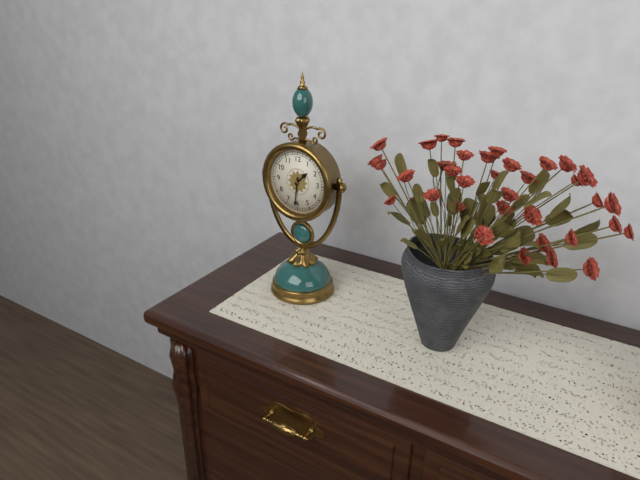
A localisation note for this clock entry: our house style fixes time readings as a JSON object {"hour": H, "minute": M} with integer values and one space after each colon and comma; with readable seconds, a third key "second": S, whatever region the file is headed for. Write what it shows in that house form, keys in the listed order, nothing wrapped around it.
{"hour": 1, "minute": 31}
